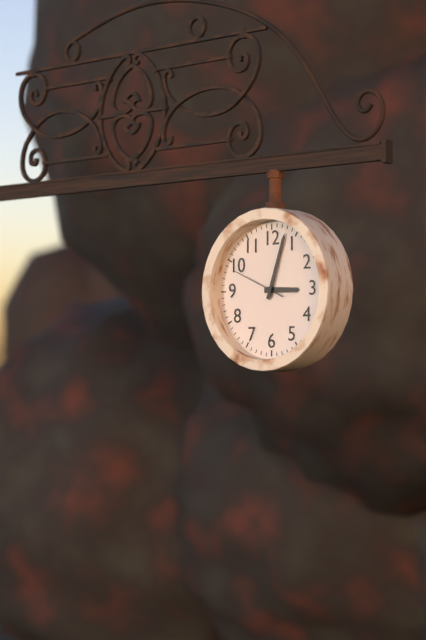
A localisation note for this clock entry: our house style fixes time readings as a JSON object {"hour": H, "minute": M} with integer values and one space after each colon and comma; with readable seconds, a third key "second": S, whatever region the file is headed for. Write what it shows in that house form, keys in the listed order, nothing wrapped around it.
{"hour": 3, "minute": 3, "second": 49}
